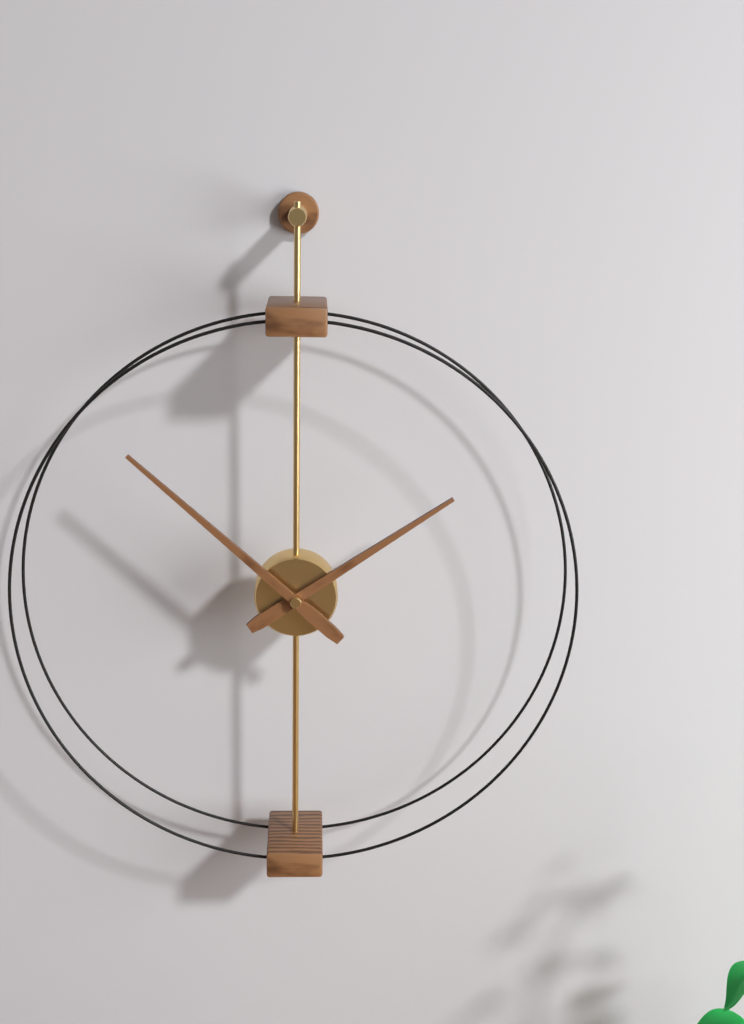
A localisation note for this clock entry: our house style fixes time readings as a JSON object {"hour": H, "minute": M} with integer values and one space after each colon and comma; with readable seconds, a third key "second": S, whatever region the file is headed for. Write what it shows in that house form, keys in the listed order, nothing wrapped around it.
{"hour": 1, "minute": 52}
